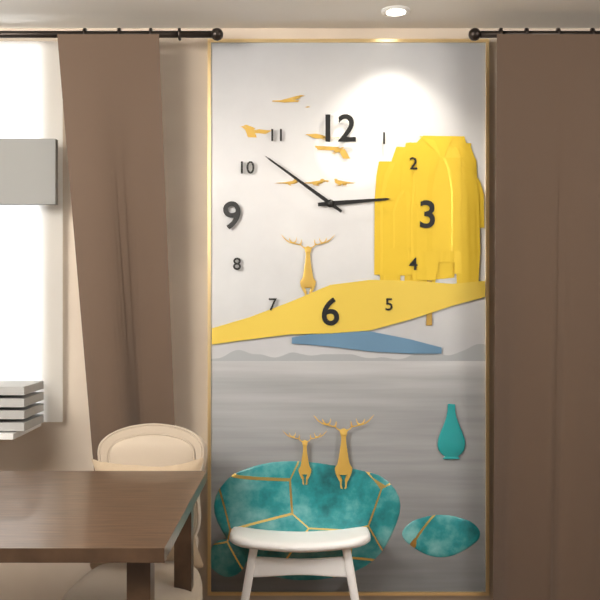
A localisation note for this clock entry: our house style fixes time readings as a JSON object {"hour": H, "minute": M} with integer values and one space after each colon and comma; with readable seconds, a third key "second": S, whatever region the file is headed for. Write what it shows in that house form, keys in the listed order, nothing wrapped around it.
{"hour": 2, "minute": 51}
